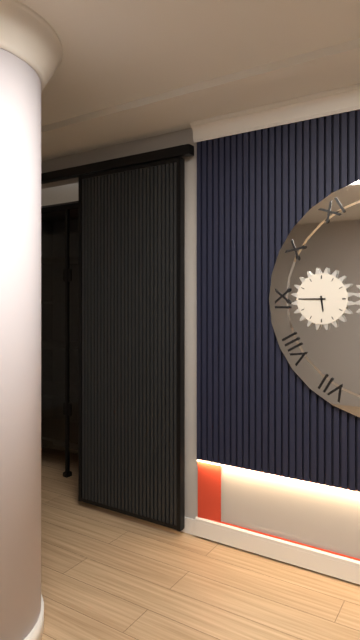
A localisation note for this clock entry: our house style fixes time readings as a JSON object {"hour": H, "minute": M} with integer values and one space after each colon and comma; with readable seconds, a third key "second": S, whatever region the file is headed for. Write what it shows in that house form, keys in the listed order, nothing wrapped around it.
{"hour": 5, "minute": 45}
